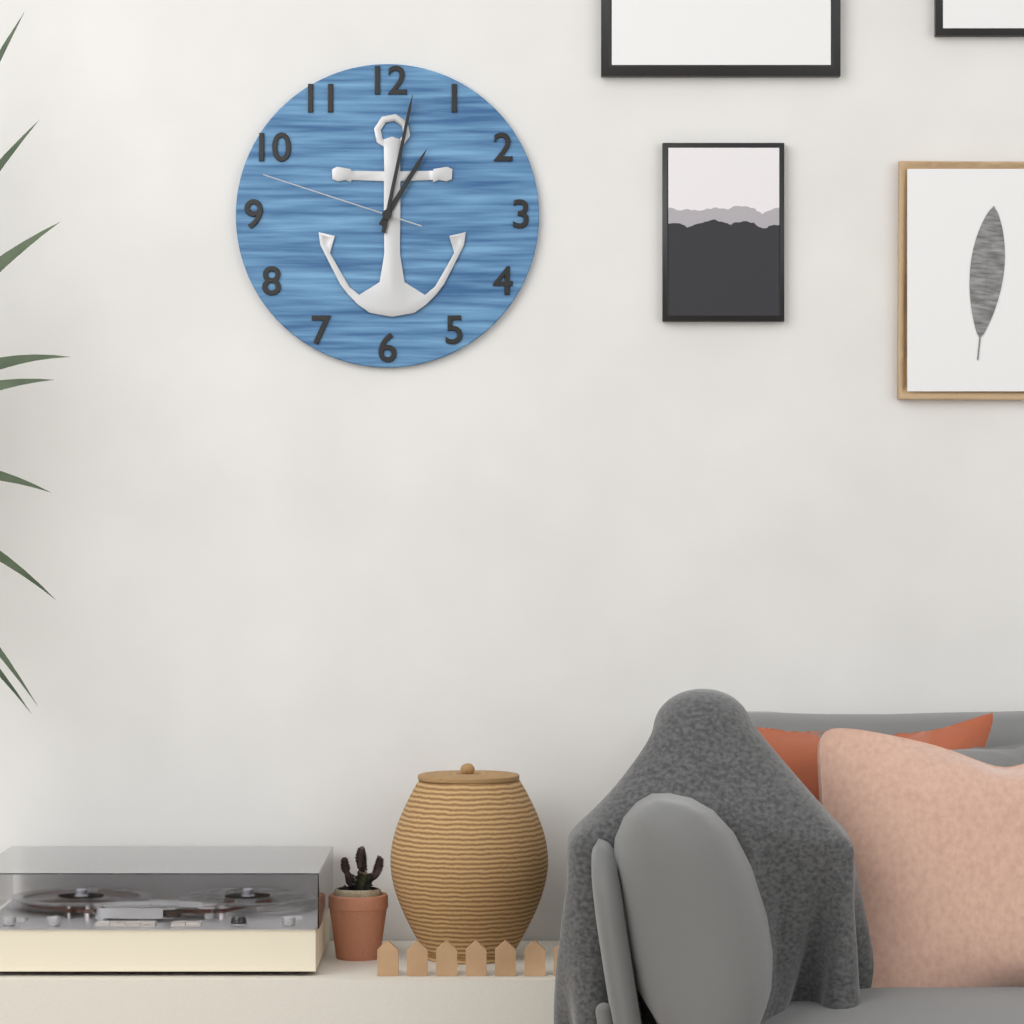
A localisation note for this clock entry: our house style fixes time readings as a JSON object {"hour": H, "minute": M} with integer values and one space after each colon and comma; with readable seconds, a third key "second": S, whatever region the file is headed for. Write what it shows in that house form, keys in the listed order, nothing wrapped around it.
{"hour": 1, "minute": 2, "second": 48}
